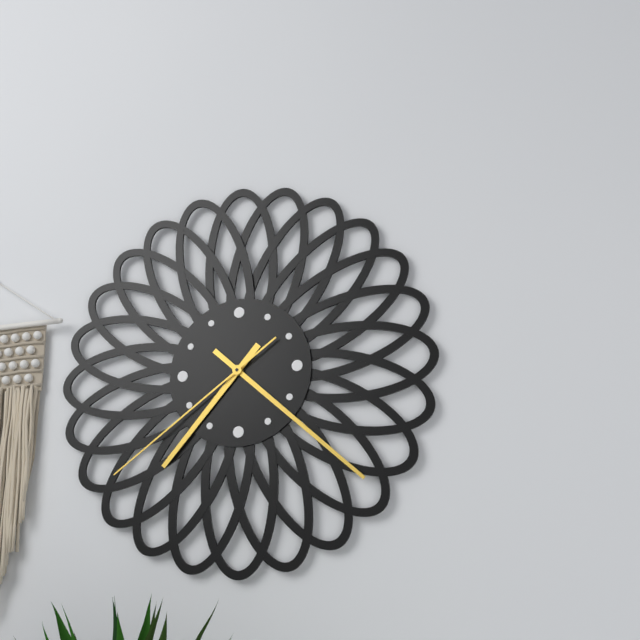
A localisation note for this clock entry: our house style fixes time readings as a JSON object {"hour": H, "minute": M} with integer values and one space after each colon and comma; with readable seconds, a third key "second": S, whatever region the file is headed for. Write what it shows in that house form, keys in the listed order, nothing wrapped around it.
{"hour": 7, "minute": 22, "second": 39}
